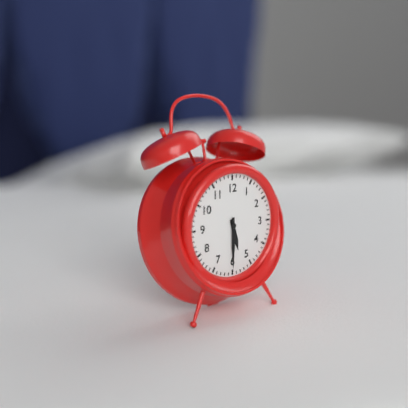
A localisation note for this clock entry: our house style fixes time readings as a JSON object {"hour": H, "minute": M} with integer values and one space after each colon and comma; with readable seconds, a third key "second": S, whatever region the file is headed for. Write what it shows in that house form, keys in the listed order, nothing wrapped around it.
{"hour": 5, "minute": 30}
